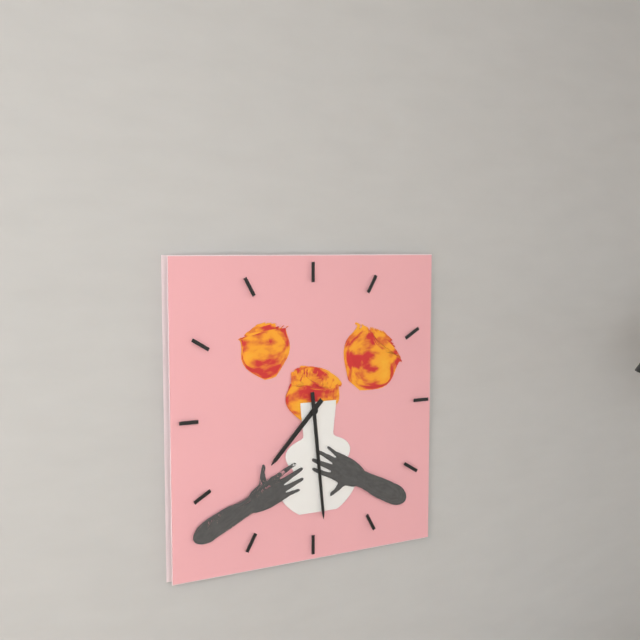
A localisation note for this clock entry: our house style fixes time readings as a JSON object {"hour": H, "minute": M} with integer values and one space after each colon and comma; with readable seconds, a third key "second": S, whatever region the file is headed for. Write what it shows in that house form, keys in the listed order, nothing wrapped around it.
{"hour": 7, "minute": 29}
